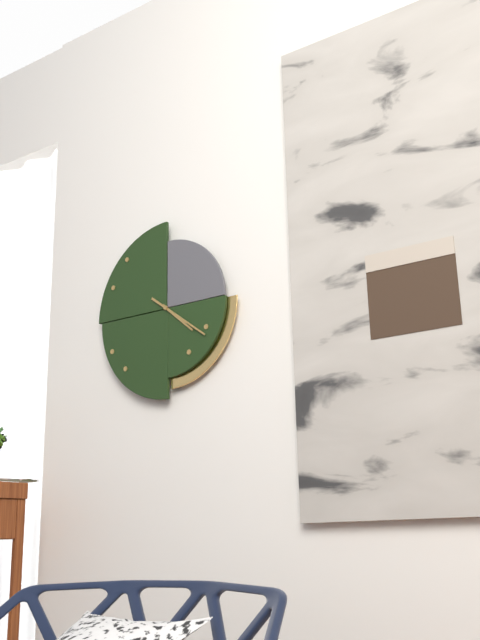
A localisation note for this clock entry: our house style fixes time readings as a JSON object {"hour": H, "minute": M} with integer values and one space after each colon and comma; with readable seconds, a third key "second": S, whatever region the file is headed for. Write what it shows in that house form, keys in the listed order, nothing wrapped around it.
{"hour": 4, "minute": 21}
